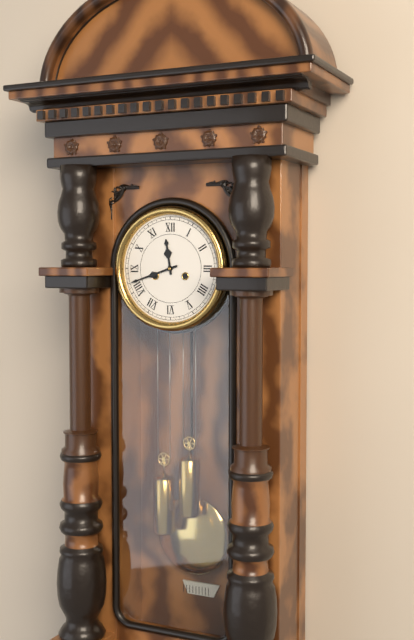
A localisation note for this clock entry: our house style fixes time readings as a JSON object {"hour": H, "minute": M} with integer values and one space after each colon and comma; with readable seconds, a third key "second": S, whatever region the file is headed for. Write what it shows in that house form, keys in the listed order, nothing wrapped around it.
{"hour": 11, "minute": 42}
